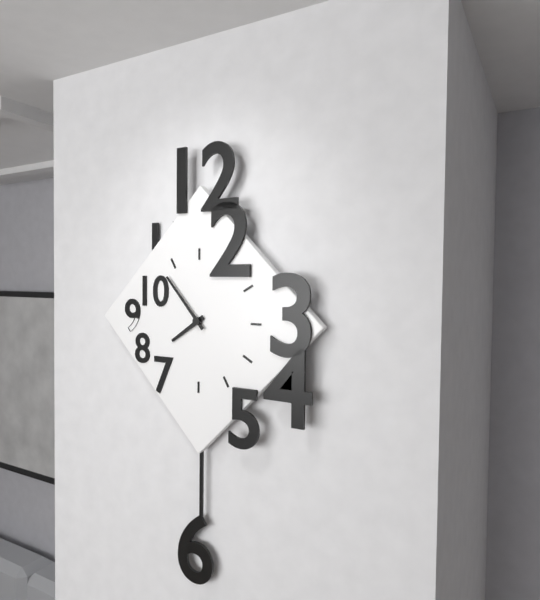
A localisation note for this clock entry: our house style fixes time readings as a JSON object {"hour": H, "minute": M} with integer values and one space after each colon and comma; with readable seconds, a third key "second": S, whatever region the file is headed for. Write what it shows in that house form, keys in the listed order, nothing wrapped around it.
{"hour": 7, "minute": 53}
